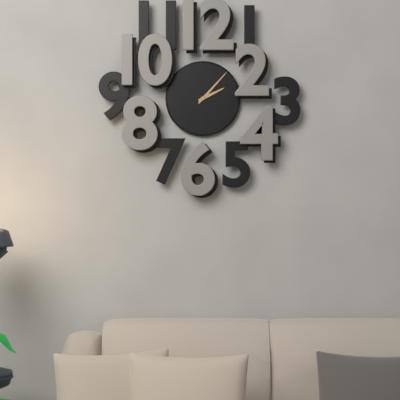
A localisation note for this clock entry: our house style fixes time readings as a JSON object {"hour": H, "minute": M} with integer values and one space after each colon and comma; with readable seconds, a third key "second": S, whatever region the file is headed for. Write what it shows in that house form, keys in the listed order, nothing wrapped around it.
{"hour": 2, "minute": 7}
